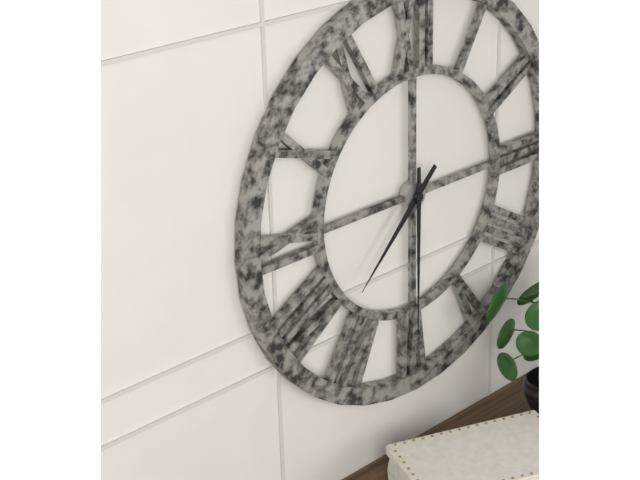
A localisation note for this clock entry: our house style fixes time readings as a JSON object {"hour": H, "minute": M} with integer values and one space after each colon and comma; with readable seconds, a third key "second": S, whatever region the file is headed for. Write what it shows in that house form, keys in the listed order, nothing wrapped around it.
{"hour": 7, "minute": 30}
